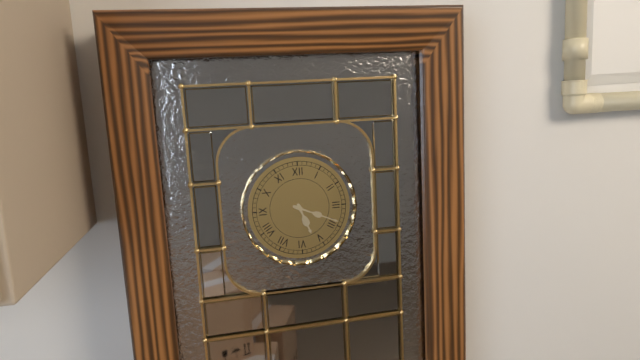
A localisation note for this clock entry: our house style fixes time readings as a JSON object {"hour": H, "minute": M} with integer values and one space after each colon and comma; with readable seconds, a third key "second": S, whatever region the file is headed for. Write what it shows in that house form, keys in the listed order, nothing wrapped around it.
{"hour": 5, "minute": 19}
